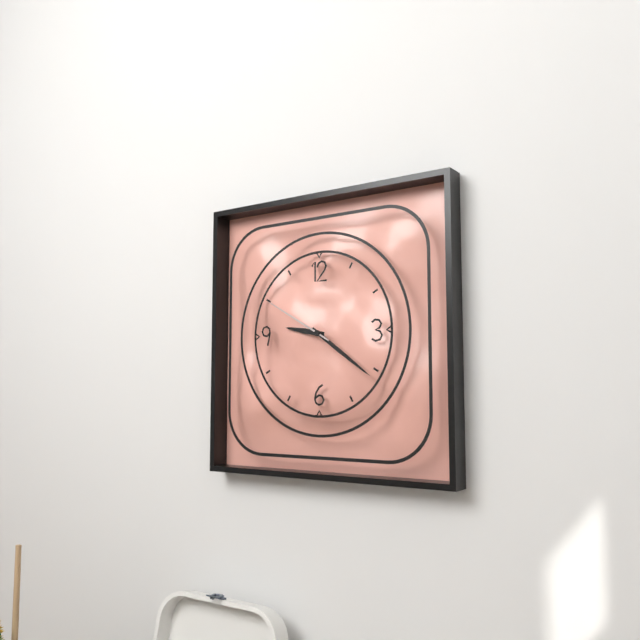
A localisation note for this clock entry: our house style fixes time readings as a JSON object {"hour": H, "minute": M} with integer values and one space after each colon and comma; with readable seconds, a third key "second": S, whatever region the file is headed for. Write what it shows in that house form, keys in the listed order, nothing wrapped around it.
{"hour": 9, "minute": 21, "second": 50}
